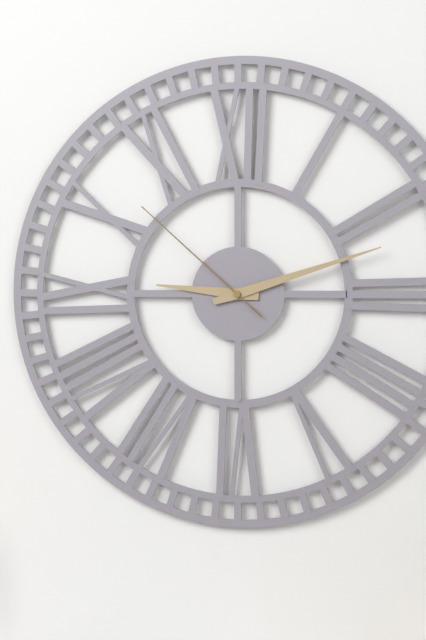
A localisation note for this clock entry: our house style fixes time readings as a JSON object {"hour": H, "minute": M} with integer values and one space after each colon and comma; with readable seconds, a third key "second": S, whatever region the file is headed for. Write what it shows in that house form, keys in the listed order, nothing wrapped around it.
{"hour": 9, "minute": 12, "second": 52}
